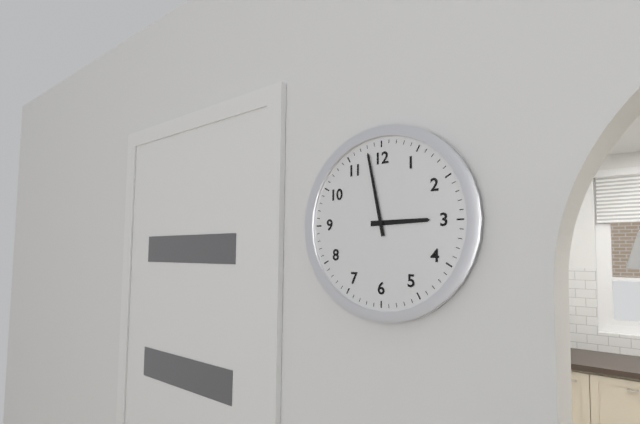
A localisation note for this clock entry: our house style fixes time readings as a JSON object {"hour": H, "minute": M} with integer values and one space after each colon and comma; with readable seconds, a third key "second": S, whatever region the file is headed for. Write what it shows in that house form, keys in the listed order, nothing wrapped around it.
{"hour": 2, "minute": 58}
